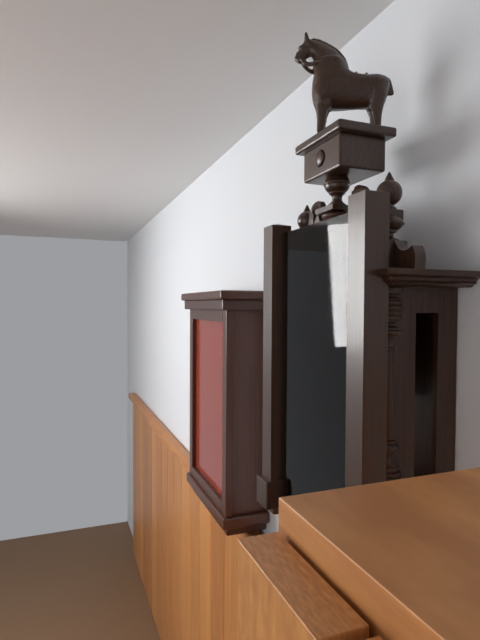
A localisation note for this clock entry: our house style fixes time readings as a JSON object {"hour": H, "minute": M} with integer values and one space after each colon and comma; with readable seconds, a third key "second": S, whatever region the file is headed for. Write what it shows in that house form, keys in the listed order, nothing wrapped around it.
{"hour": 3, "minute": 58}
